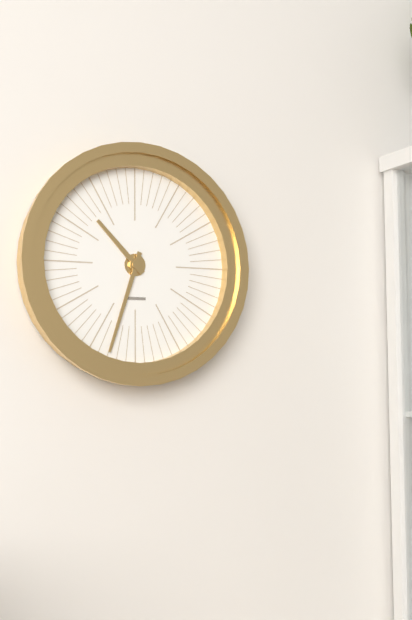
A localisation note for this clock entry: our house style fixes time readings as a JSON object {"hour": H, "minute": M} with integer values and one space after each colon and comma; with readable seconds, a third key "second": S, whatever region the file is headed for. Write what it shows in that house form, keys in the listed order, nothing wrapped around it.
{"hour": 10, "minute": 33}
